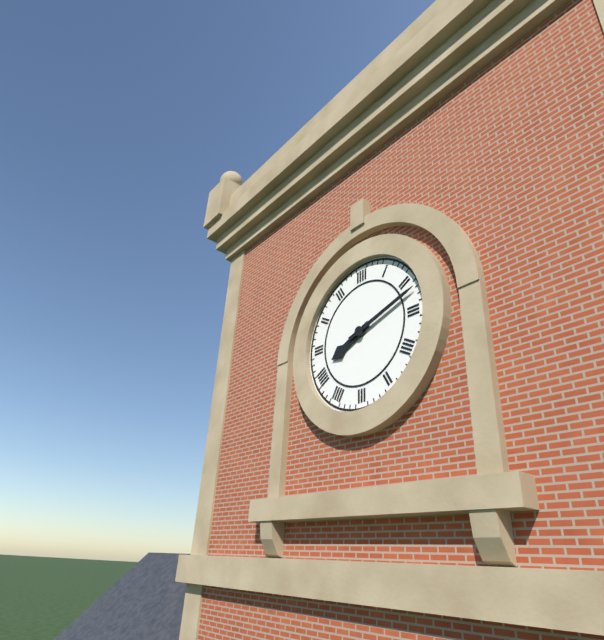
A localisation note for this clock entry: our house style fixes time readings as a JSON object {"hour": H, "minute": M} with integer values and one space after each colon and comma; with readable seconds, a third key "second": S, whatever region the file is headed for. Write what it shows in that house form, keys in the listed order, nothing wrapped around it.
{"hour": 8, "minute": 12}
